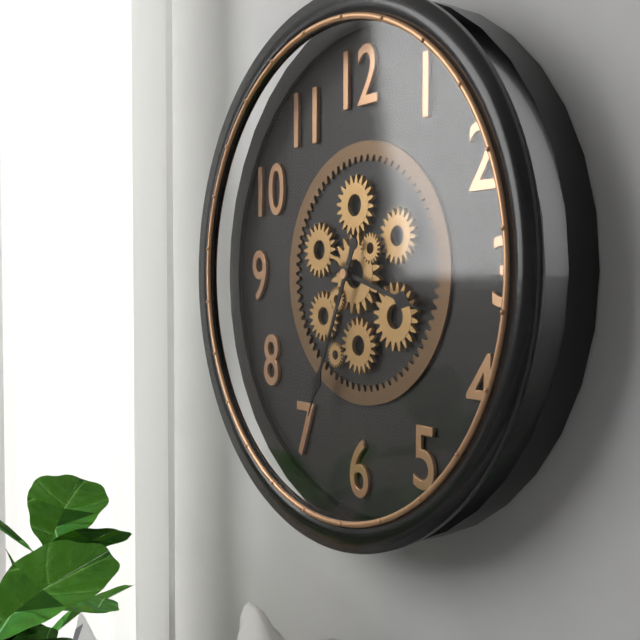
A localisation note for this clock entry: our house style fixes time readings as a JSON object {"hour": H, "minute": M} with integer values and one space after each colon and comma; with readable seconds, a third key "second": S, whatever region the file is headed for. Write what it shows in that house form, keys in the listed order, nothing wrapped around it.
{"hour": 3, "minute": 34}
